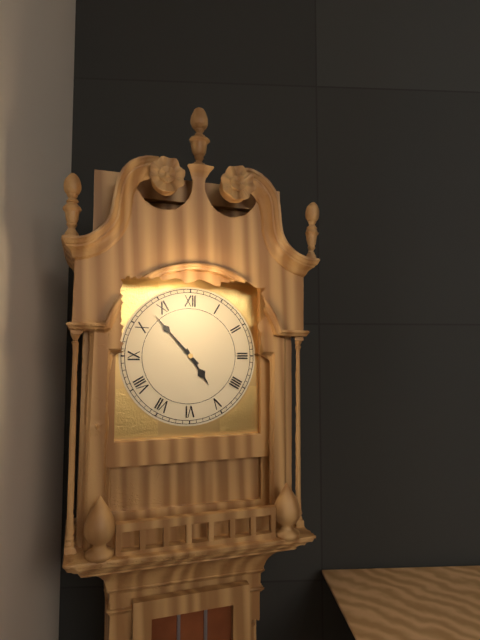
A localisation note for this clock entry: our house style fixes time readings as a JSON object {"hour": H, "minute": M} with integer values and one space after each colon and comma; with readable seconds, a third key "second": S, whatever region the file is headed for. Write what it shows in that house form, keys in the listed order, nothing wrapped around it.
{"hour": 4, "minute": 53}
